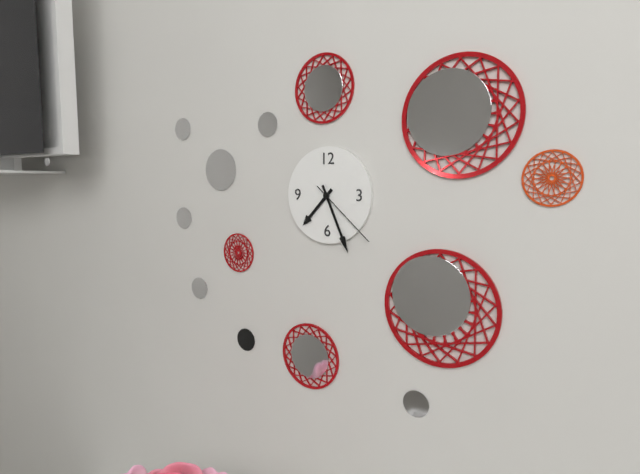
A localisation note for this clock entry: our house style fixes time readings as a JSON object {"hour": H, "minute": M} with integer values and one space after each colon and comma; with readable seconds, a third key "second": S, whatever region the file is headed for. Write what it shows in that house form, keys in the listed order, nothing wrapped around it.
{"hour": 7, "minute": 26, "second": 22}
